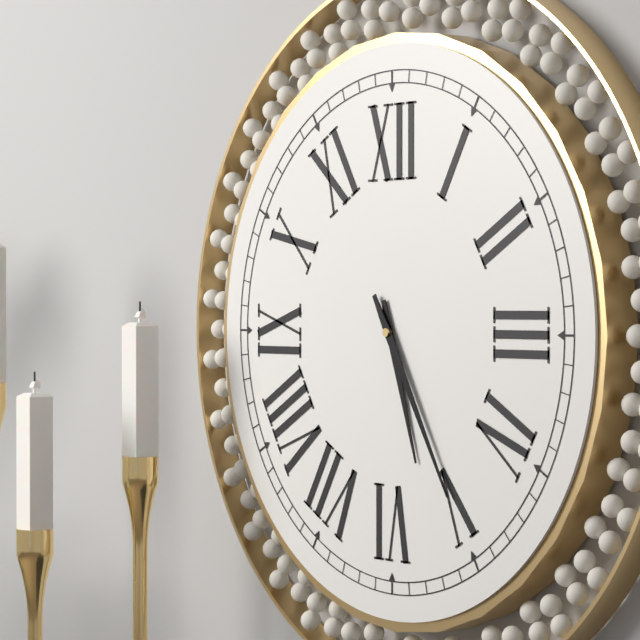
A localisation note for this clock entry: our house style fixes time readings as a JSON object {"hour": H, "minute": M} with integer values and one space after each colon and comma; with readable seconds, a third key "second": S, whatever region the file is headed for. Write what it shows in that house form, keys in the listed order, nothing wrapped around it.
{"hour": 5, "minute": 25}
